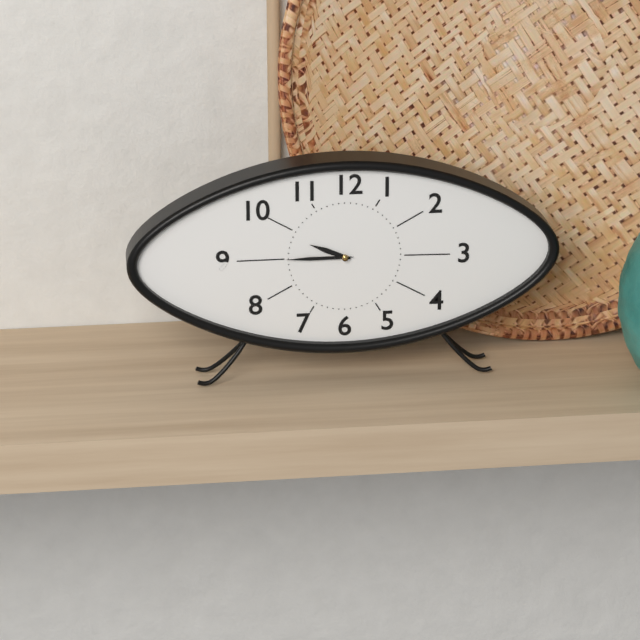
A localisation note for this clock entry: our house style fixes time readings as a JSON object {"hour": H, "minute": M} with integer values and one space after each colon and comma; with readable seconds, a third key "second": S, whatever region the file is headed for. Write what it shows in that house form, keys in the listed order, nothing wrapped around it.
{"hour": 9, "minute": 45}
